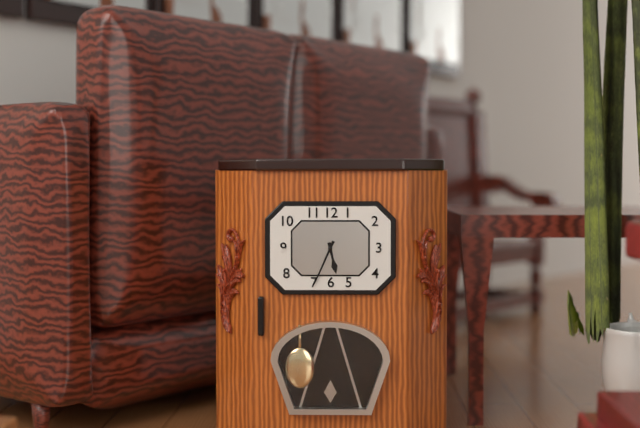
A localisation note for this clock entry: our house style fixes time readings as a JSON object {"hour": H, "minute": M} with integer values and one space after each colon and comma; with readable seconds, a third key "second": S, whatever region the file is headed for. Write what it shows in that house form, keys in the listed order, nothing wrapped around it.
{"hour": 5, "minute": 34}
